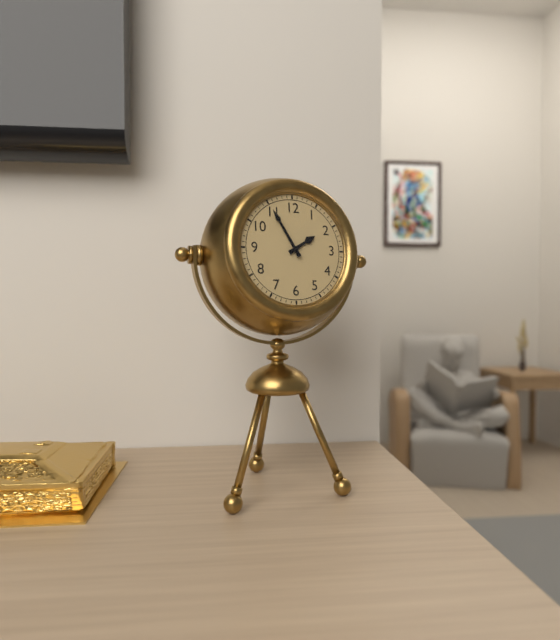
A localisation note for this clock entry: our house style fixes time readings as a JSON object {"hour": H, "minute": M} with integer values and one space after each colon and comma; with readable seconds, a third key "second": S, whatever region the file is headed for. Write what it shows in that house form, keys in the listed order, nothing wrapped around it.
{"hour": 1, "minute": 55}
